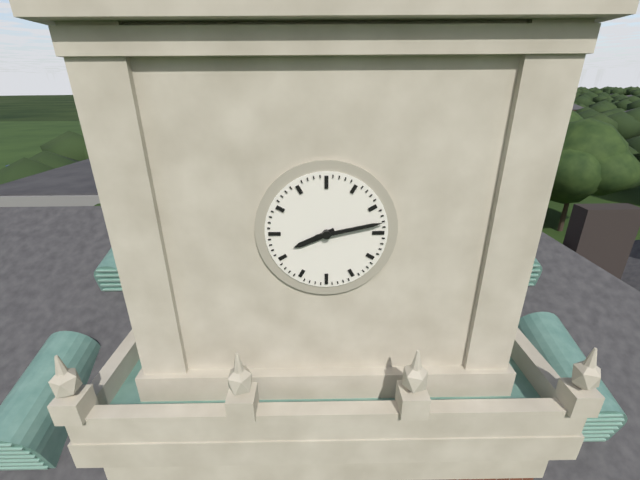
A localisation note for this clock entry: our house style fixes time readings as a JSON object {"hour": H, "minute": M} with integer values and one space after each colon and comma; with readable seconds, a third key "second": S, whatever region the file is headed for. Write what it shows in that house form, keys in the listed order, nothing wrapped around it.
{"hour": 8, "minute": 13}
